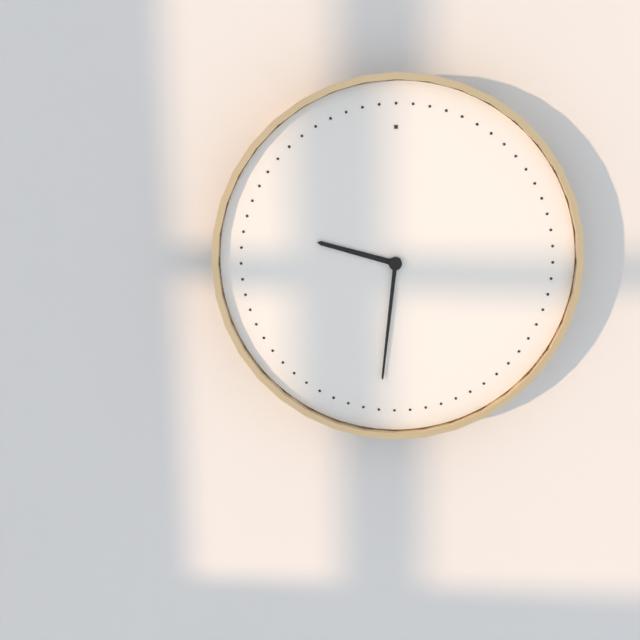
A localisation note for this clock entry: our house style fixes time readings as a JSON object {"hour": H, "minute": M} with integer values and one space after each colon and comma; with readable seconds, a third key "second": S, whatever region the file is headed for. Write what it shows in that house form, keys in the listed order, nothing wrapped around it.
{"hour": 9, "minute": 31}
